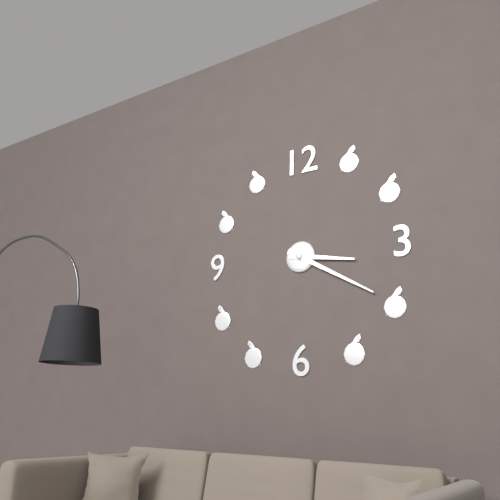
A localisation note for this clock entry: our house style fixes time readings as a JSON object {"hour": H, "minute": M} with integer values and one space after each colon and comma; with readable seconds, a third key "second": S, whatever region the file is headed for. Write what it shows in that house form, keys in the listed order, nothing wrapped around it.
{"hour": 3, "minute": 20}
